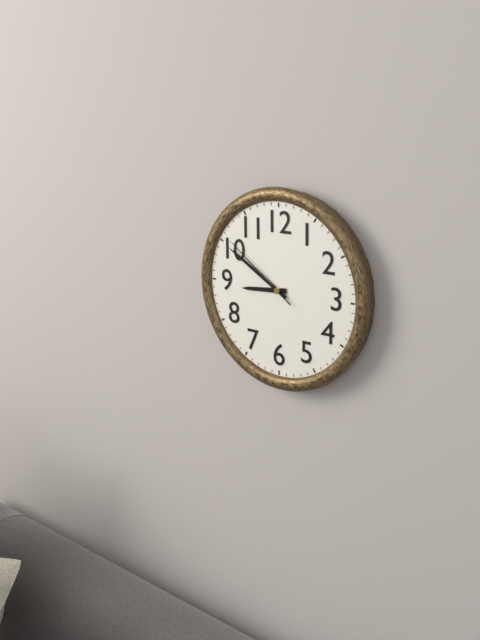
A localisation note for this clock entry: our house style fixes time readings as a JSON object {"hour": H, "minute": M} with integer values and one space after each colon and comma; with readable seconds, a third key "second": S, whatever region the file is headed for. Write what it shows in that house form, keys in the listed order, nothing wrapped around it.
{"hour": 8, "minute": 50, "second": 51}
